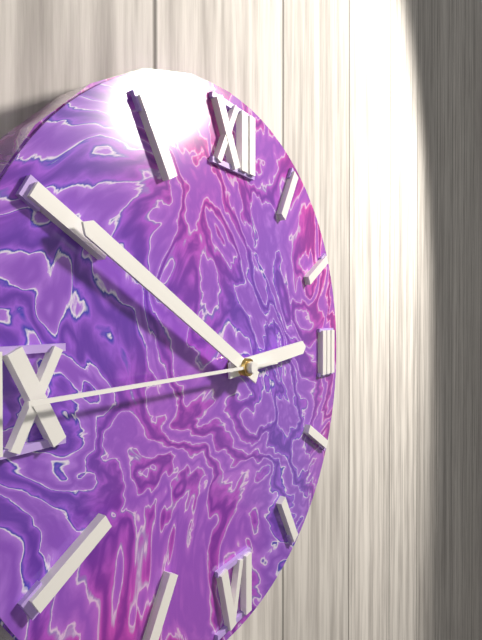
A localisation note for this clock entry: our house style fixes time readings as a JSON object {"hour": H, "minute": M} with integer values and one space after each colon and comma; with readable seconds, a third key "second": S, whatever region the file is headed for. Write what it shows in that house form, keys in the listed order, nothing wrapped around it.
{"hour": 2, "minute": 50, "second": 45}
